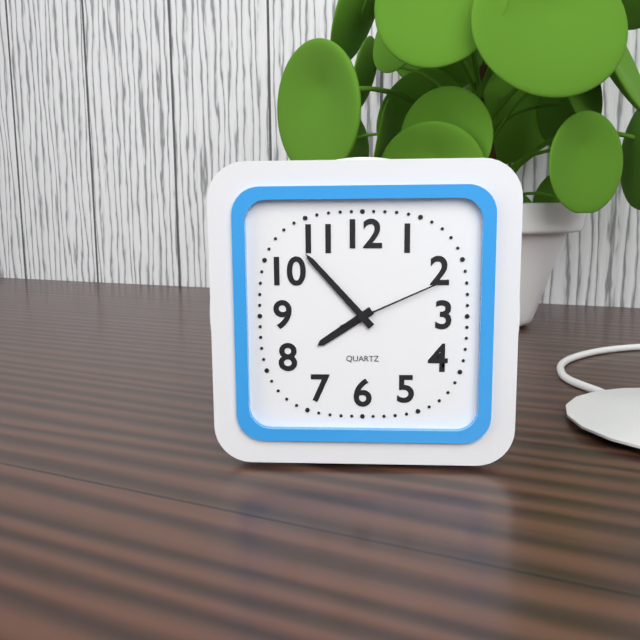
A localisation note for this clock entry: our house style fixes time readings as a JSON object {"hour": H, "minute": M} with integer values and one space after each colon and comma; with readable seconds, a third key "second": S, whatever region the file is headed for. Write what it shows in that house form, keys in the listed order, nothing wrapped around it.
{"hour": 7, "minute": 53, "second": 11}
